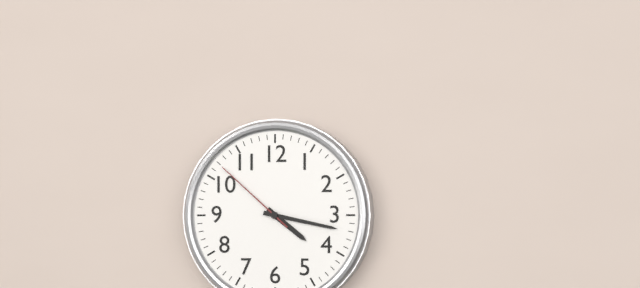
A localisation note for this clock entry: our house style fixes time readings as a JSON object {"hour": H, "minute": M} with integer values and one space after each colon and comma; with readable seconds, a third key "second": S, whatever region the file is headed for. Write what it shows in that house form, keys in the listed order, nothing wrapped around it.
{"hour": 4, "minute": 17, "second": 52}
